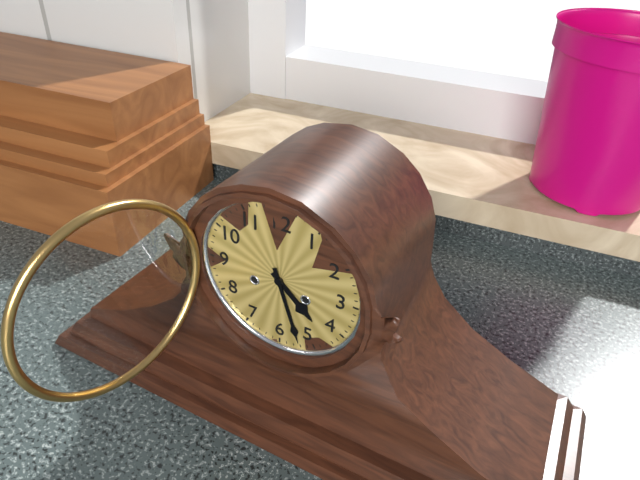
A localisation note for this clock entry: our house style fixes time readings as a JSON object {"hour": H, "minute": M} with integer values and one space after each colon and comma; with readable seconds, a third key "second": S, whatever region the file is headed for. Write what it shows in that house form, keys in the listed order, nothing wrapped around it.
{"hour": 4, "minute": 27}
